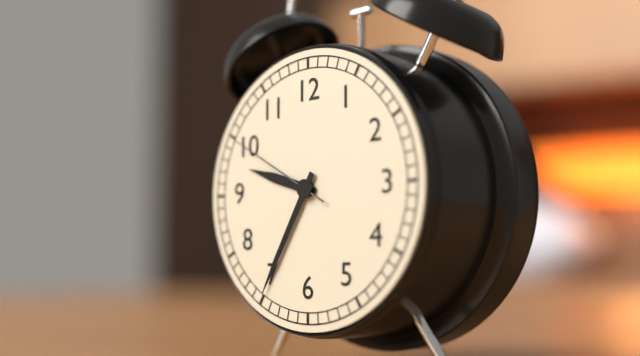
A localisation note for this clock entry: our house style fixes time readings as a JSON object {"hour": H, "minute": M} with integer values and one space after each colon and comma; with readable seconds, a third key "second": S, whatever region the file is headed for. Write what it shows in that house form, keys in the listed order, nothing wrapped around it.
{"hour": 9, "minute": 35, "second": 50}
